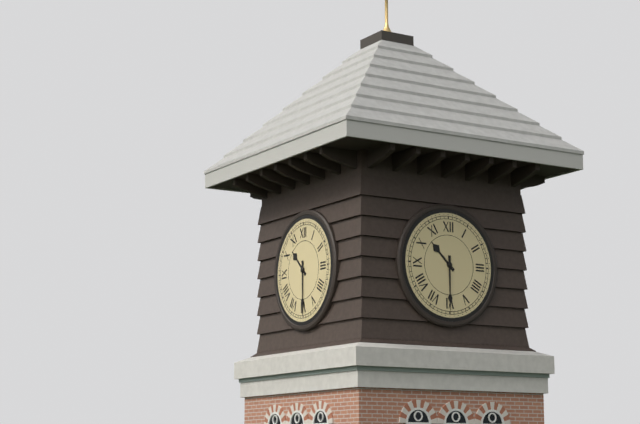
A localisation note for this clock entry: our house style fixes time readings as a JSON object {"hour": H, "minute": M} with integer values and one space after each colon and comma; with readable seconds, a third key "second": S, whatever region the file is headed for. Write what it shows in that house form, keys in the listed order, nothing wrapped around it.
{"hour": 10, "minute": 30}
